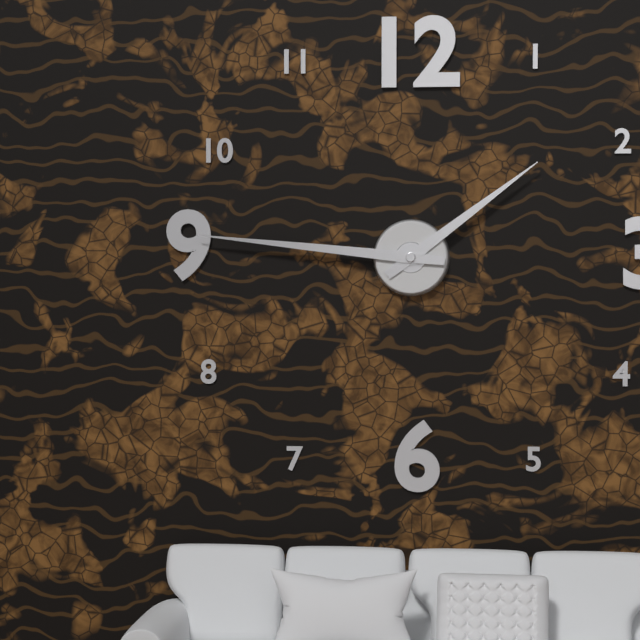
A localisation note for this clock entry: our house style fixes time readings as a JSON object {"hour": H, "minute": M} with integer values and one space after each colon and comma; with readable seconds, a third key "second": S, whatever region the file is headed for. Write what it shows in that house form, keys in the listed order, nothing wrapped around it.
{"hour": 1, "minute": 46}
